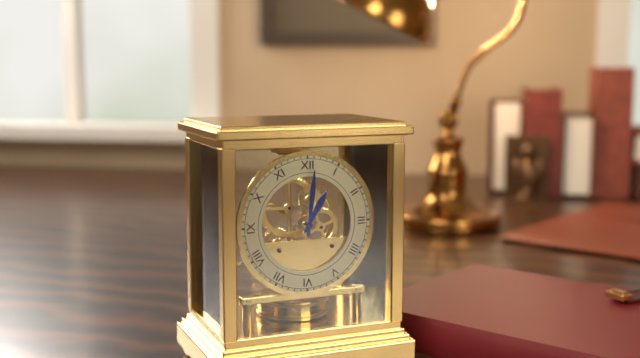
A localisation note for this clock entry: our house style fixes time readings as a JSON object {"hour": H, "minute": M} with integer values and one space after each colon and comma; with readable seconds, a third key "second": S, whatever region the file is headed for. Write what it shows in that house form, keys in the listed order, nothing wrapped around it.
{"hour": 1, "minute": 1}
